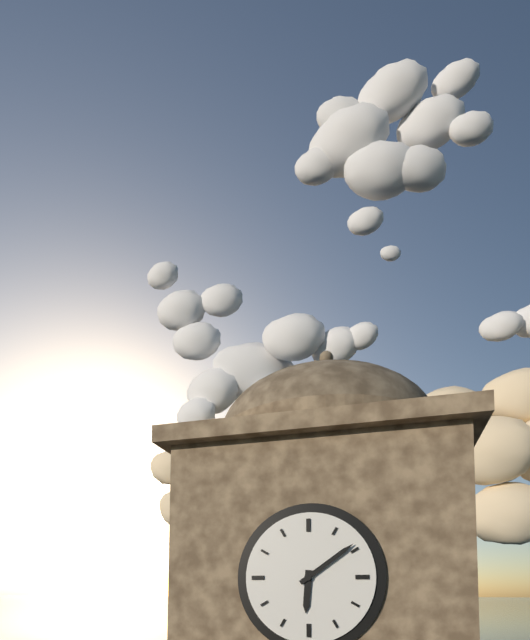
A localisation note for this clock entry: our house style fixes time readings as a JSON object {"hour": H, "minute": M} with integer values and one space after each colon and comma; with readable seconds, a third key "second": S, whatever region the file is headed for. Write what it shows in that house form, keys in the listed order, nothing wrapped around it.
{"hour": 6, "minute": 9}
